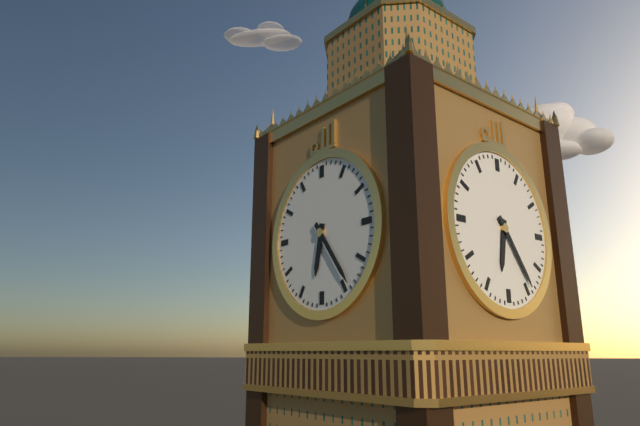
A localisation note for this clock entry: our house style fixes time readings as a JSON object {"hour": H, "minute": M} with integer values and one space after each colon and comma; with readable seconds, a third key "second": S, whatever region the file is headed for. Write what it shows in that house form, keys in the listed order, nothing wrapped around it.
{"hour": 6, "minute": 24}
